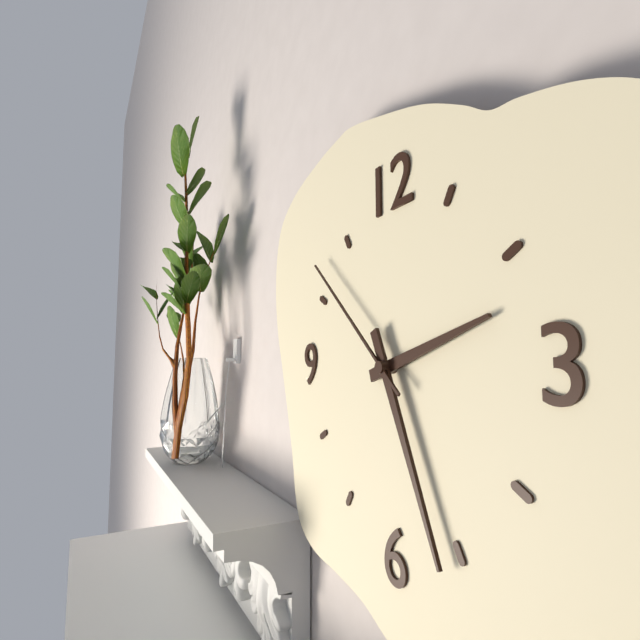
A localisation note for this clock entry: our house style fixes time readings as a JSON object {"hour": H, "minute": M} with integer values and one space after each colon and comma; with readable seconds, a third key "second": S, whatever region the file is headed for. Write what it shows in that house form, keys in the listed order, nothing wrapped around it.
{"hour": 2, "minute": 26, "second": 52}
